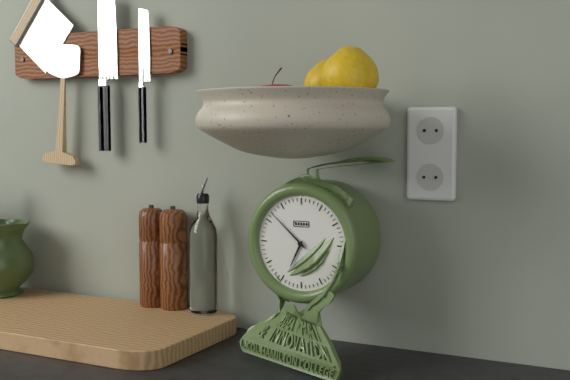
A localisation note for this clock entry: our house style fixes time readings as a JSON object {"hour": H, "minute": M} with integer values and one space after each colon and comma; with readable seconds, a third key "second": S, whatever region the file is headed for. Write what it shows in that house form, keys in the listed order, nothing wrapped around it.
{"hour": 6, "minute": 52}
